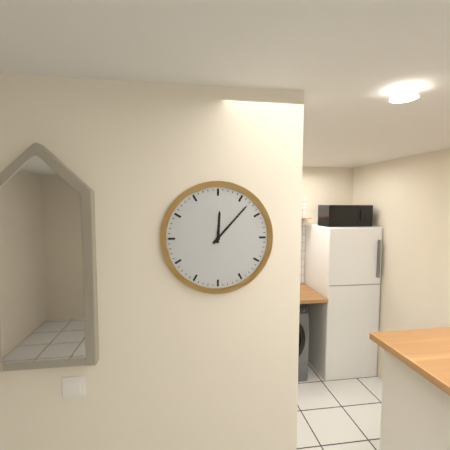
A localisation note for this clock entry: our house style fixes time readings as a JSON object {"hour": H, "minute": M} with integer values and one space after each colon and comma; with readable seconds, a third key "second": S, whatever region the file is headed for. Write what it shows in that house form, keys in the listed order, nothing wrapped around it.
{"hour": 12, "minute": 7}
